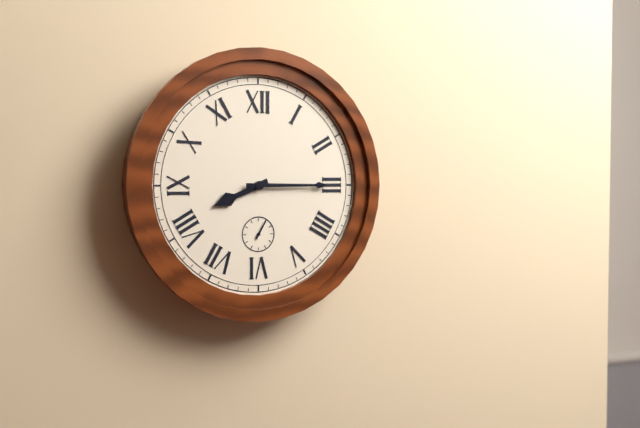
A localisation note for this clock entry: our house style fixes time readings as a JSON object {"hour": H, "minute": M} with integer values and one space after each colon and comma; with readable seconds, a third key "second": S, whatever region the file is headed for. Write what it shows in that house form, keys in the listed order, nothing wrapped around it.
{"hour": 8, "minute": 15}
